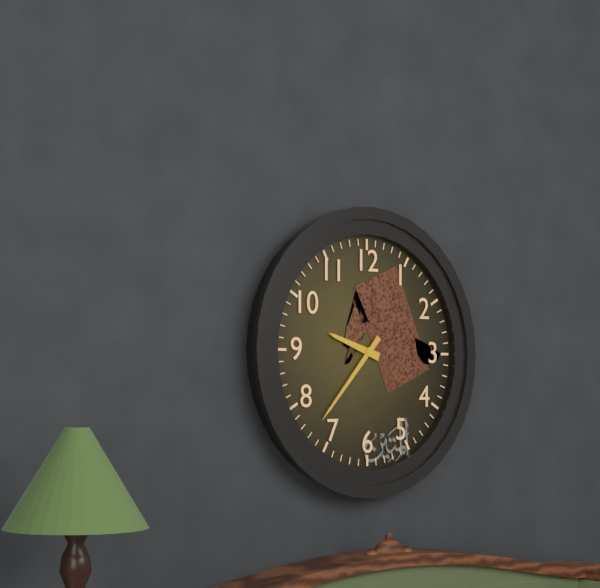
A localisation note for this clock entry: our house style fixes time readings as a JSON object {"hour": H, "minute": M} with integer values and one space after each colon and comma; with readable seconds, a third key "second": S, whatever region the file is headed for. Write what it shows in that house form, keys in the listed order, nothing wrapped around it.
{"hour": 9, "minute": 37}
